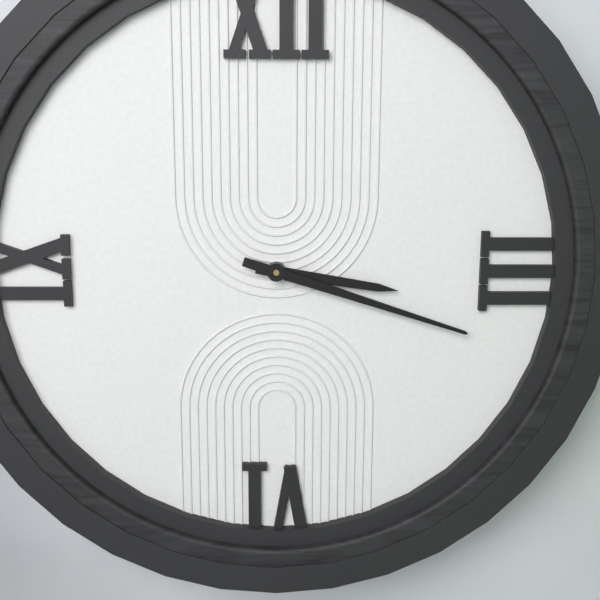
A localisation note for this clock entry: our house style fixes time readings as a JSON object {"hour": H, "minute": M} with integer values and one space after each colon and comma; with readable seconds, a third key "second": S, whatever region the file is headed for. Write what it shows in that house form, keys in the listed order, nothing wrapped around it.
{"hour": 3, "minute": 18}
